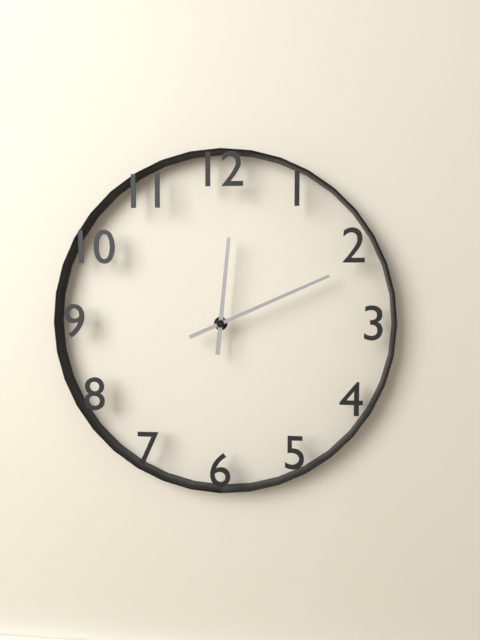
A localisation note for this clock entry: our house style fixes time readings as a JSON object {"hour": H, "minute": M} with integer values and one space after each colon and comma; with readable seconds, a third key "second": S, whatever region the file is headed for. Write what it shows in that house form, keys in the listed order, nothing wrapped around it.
{"hour": 12, "minute": 11}
